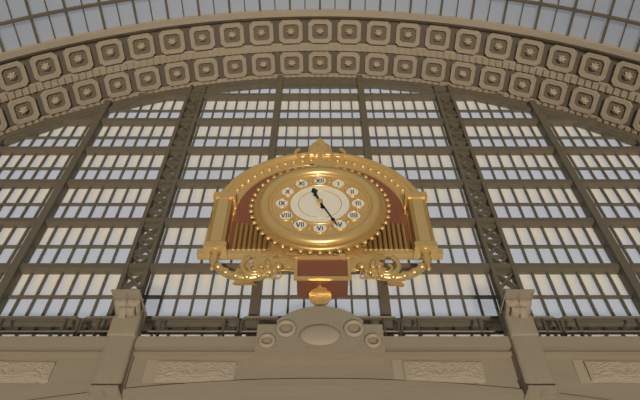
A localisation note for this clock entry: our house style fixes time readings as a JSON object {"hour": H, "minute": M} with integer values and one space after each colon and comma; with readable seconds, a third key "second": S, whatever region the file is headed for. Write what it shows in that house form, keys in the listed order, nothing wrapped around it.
{"hour": 11, "minute": 26}
